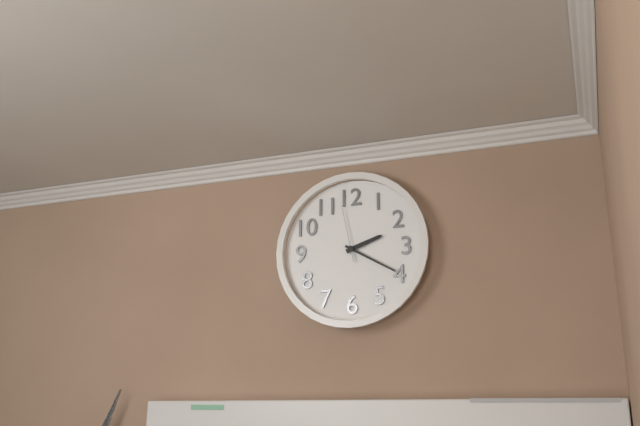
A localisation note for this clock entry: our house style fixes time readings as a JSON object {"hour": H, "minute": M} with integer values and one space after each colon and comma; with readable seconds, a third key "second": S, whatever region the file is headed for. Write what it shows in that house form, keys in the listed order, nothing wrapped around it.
{"hour": 2, "minute": 20, "second": 58}
